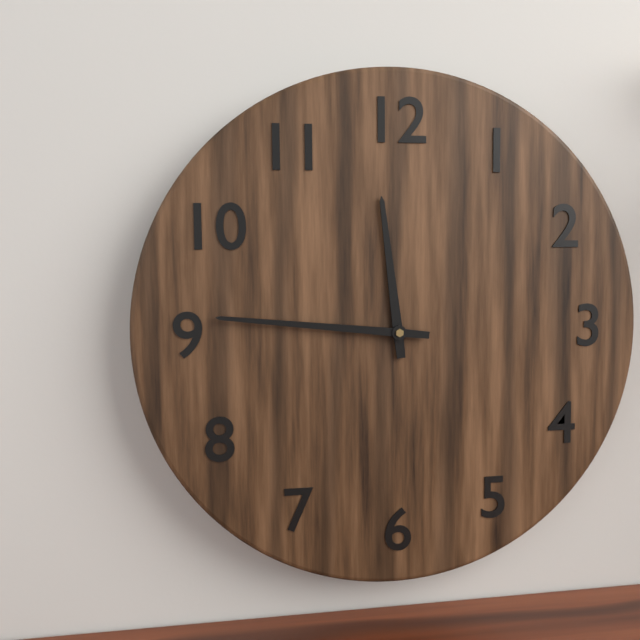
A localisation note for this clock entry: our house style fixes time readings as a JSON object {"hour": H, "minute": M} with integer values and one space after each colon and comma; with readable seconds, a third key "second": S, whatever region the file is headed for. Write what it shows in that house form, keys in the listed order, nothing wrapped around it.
{"hour": 11, "minute": 46}
